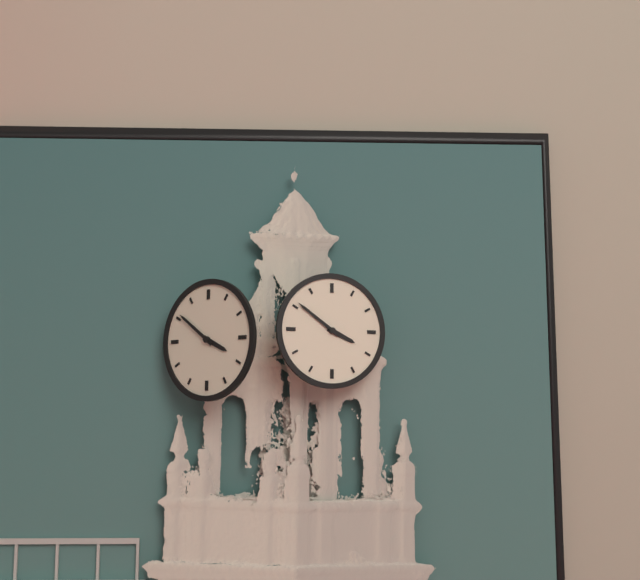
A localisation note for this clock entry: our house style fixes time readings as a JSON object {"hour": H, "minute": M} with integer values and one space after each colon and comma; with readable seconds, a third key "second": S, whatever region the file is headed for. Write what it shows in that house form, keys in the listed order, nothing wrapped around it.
{"hour": 3, "minute": 51}
